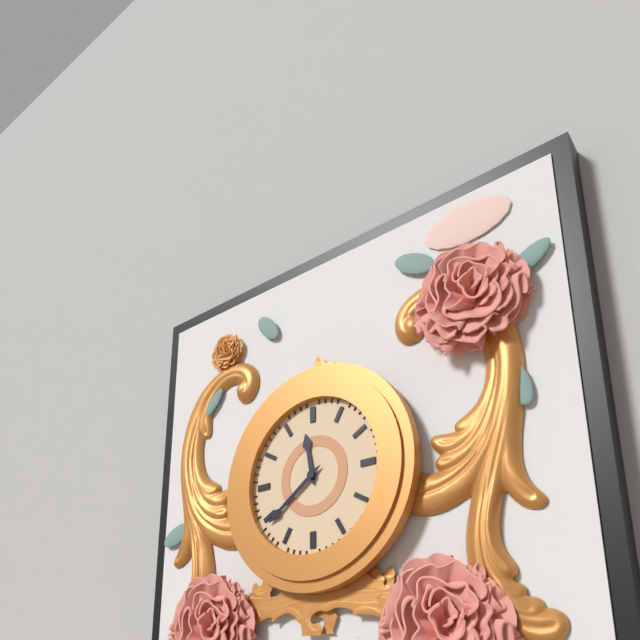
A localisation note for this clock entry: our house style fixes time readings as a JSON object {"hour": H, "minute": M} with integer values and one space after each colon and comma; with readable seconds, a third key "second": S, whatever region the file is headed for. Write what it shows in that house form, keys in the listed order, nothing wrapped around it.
{"hour": 11, "minute": 39}
